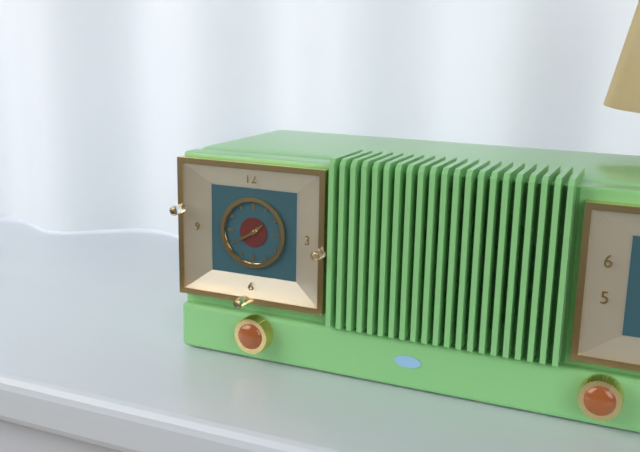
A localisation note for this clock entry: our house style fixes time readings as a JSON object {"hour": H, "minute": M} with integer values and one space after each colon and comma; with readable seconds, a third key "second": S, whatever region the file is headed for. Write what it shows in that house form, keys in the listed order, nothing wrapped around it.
{"hour": 1, "minute": 40}
